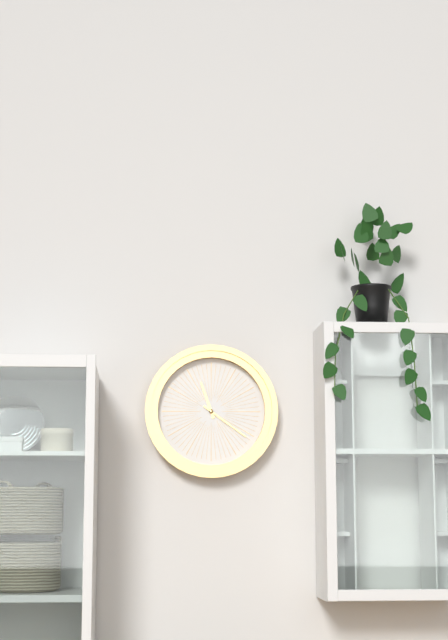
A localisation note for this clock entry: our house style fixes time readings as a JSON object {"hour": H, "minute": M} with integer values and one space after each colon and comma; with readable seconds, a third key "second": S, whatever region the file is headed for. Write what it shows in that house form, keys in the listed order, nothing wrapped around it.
{"hour": 11, "minute": 21}
